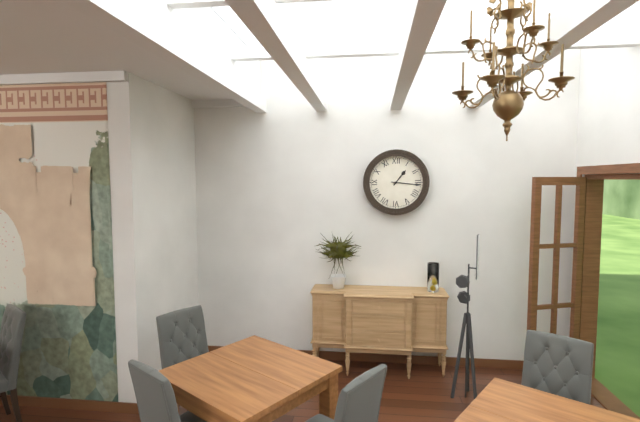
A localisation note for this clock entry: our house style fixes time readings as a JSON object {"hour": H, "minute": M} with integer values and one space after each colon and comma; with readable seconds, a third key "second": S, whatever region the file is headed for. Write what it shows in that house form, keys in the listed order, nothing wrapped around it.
{"hour": 1, "minute": 16}
